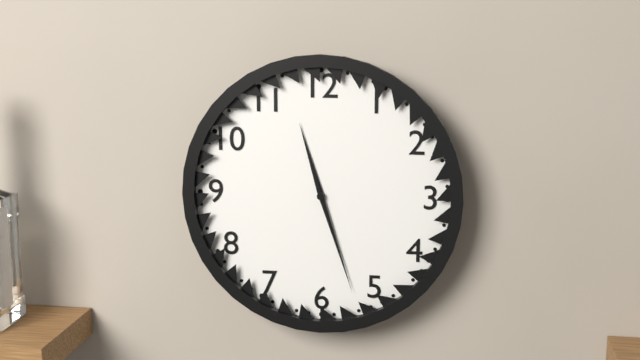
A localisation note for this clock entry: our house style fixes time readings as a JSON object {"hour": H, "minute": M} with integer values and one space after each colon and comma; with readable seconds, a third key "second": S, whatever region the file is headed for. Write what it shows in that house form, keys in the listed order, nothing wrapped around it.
{"hour": 11, "minute": 27}
